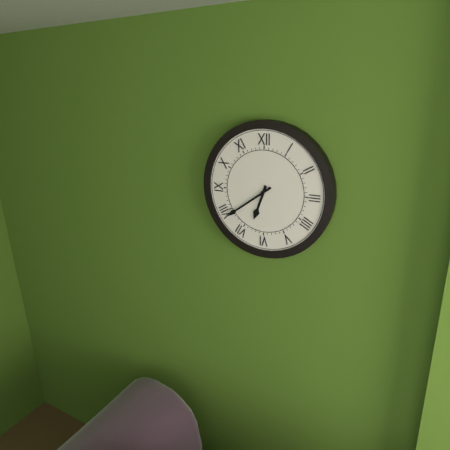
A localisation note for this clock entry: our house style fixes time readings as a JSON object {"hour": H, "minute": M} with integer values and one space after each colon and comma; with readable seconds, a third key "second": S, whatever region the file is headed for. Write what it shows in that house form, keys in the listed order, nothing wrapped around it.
{"hour": 6, "minute": 39}
